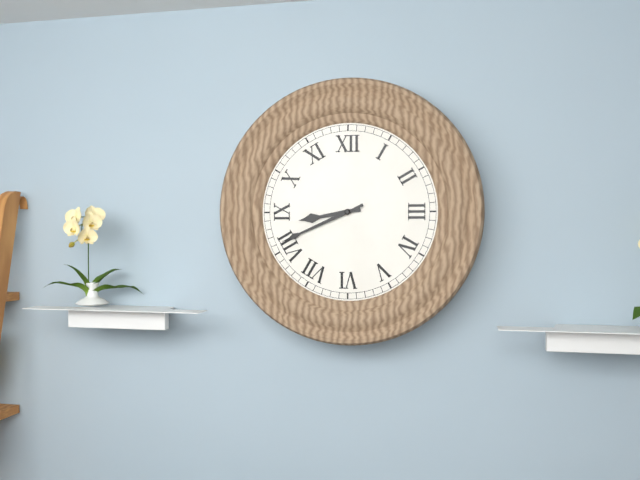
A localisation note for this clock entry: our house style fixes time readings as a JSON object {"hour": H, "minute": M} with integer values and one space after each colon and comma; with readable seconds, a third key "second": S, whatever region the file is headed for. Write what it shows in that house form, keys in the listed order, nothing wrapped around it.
{"hour": 8, "minute": 41}
